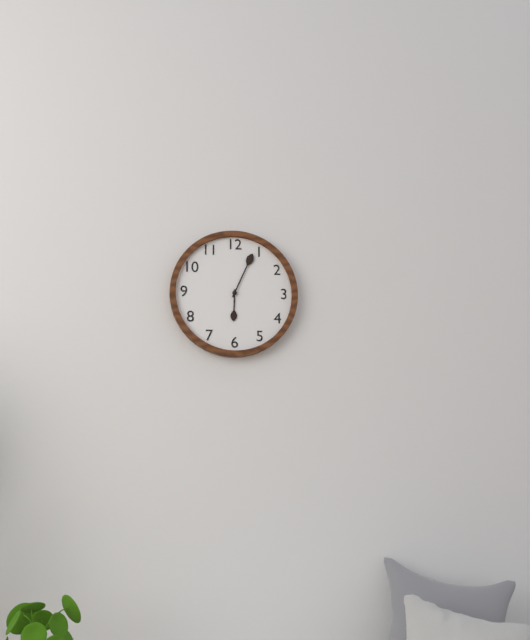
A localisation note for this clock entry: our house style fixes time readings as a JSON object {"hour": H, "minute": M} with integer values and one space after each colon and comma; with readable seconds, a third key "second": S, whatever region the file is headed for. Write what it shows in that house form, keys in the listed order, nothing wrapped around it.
{"hour": 6, "minute": 4}
